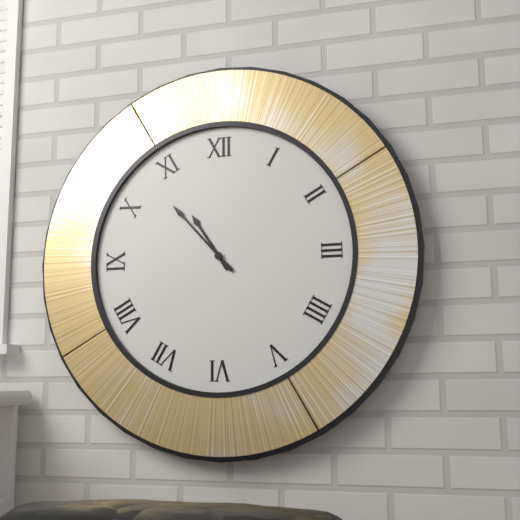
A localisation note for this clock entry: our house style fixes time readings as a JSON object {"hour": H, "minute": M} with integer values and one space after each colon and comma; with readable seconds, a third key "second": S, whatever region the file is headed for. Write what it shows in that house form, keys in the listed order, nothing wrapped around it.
{"hour": 10, "minute": 53}
